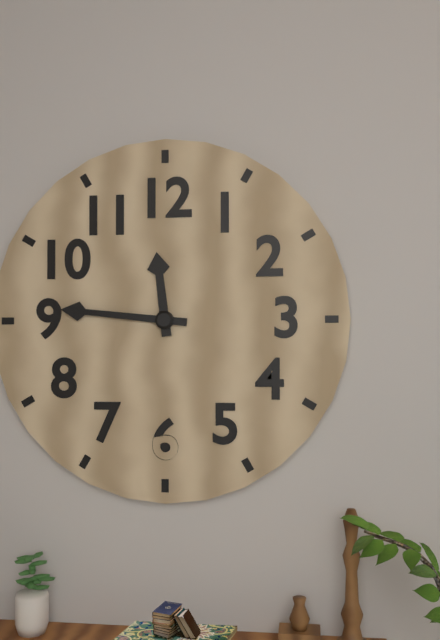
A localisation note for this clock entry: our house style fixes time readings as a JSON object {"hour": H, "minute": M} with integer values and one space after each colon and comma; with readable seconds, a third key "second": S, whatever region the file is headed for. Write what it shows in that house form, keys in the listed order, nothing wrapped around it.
{"hour": 11, "minute": 46}
